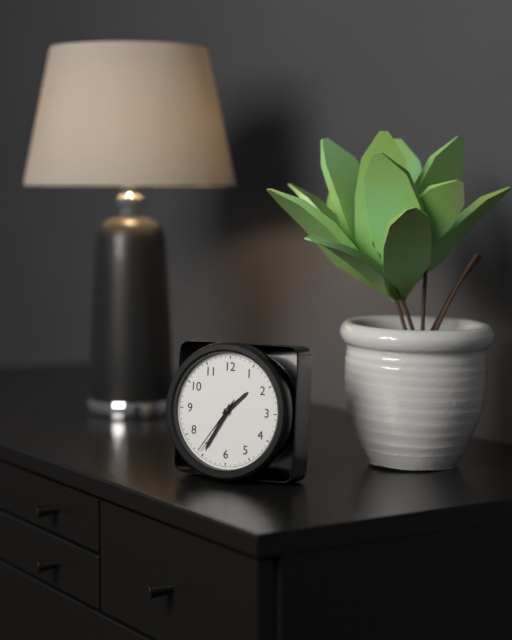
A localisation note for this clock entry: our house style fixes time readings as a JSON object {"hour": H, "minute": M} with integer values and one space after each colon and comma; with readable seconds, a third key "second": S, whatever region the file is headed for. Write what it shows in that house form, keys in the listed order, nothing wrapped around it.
{"hour": 1, "minute": 35, "second": 36}
